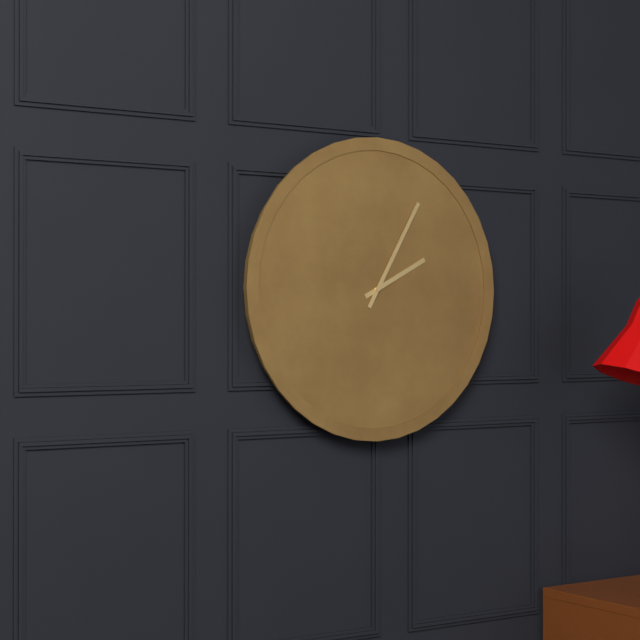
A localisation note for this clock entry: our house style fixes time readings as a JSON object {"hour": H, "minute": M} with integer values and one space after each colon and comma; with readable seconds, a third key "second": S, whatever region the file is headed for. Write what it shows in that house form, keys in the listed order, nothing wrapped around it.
{"hour": 2, "minute": 5}
